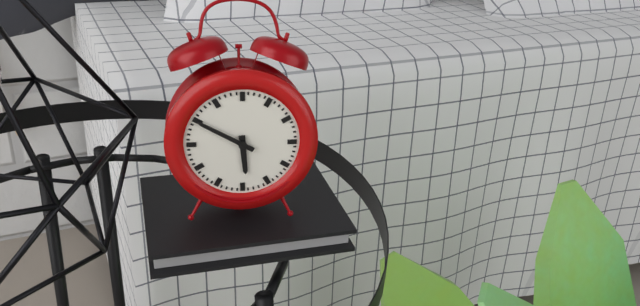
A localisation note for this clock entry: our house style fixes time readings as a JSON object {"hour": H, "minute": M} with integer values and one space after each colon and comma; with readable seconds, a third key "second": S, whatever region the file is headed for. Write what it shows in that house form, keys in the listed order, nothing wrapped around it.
{"hour": 5, "minute": 50}
